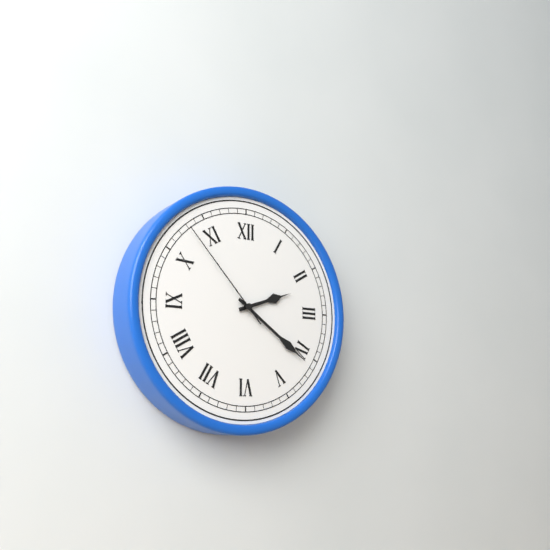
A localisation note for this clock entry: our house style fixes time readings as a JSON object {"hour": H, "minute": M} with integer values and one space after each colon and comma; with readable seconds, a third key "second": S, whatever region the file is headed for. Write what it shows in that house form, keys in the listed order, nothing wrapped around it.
{"hour": 2, "minute": 21, "second": 53}
